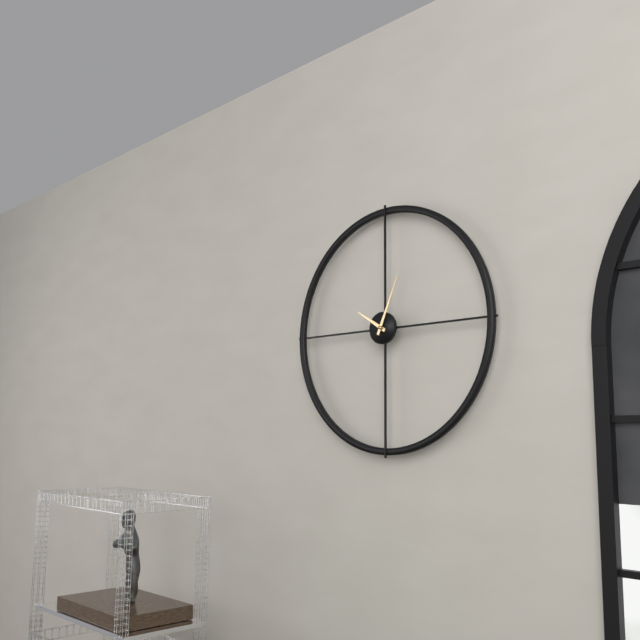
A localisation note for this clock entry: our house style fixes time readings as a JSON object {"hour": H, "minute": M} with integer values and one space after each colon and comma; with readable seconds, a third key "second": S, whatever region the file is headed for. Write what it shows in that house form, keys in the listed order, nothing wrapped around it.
{"hour": 10, "minute": 4}
